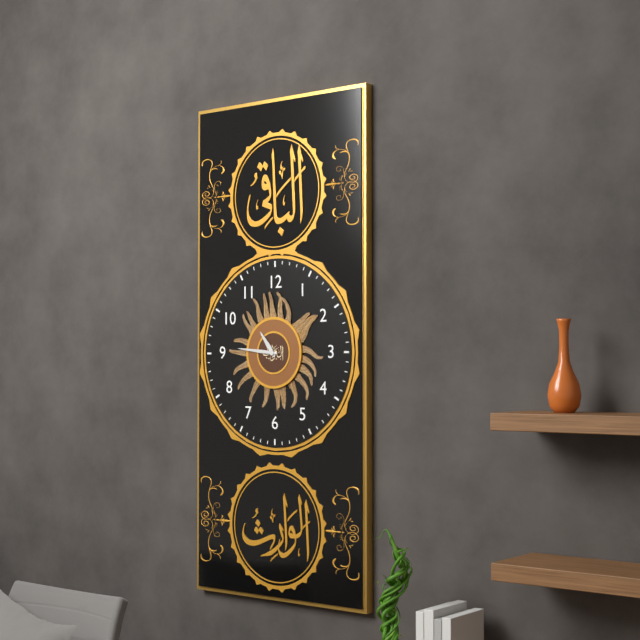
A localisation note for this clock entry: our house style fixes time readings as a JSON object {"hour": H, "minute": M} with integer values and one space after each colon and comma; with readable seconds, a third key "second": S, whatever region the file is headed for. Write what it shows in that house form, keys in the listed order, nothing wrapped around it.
{"hour": 10, "minute": 46}
